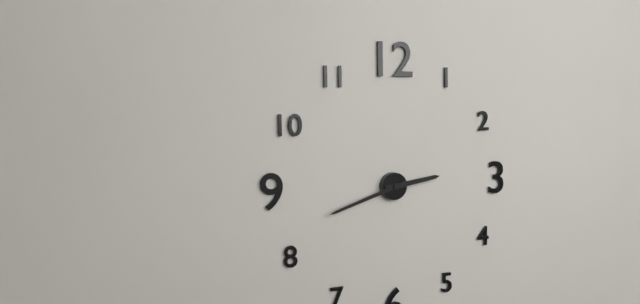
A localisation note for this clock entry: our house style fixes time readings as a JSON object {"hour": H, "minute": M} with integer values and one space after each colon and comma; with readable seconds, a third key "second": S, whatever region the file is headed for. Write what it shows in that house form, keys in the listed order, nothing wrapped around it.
{"hour": 2, "minute": 42}
